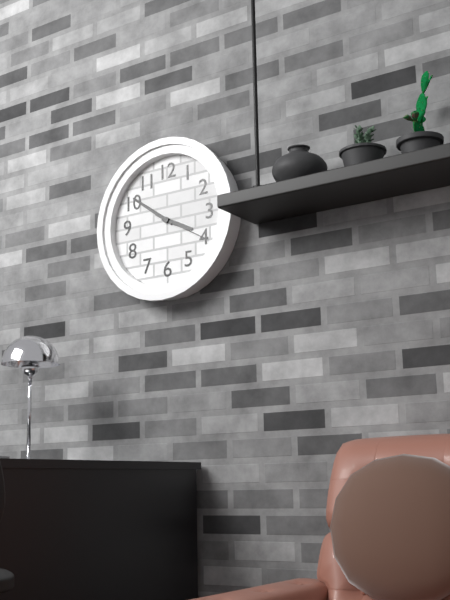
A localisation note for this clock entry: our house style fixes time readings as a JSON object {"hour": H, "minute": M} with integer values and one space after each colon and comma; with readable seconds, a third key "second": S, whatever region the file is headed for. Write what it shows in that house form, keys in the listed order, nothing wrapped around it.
{"hour": 3, "minute": 51, "second": 20}
